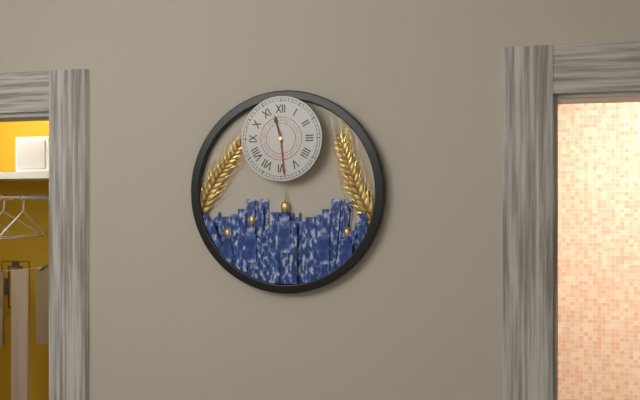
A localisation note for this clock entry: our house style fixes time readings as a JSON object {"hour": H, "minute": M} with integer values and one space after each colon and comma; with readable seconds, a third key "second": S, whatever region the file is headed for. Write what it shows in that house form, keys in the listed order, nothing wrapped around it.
{"hour": 11, "minute": 29}
